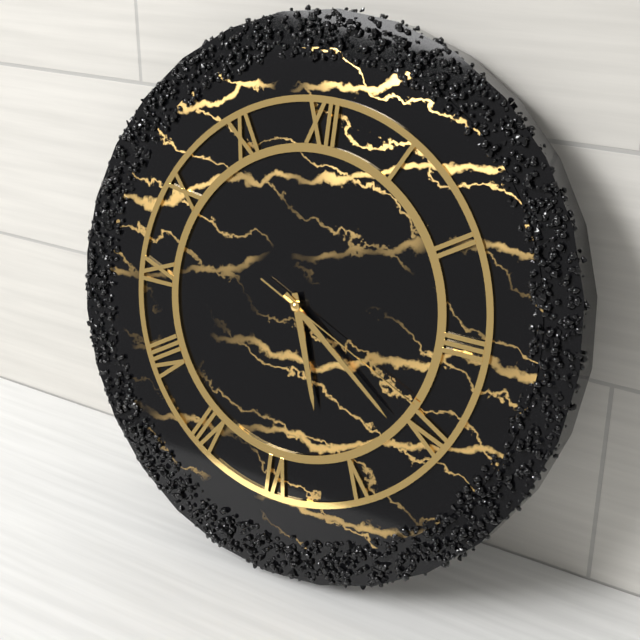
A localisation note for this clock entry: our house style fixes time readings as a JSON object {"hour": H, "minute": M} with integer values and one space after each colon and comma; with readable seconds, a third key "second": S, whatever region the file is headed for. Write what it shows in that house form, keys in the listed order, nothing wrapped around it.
{"hour": 5, "minute": 21, "second": 19}
